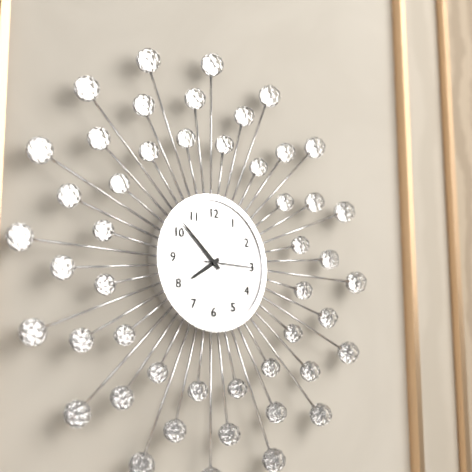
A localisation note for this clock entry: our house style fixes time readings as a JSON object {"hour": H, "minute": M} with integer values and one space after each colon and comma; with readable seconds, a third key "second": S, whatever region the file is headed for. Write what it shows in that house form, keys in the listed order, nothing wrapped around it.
{"hour": 7, "minute": 52, "second": 15}
